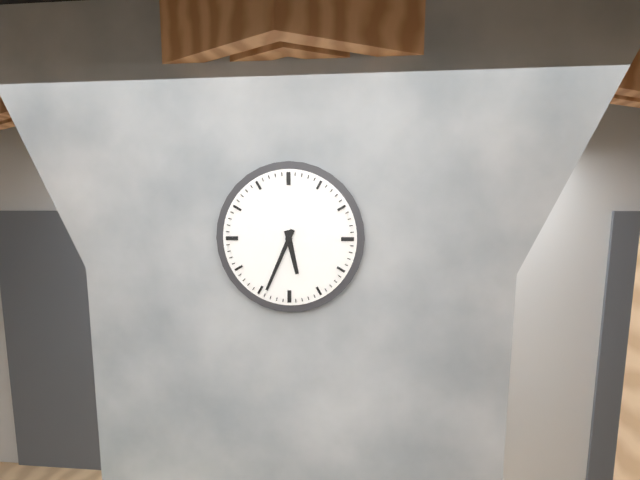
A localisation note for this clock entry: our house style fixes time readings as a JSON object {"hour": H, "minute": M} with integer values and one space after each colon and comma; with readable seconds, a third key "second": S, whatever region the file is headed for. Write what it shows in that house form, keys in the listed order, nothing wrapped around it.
{"hour": 5, "minute": 34}
